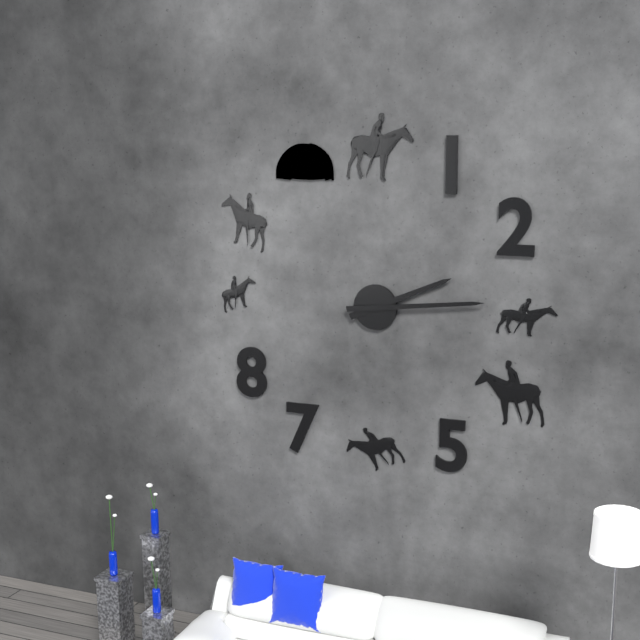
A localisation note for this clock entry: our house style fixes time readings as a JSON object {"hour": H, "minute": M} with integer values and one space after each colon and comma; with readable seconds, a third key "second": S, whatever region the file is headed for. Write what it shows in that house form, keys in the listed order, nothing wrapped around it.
{"hour": 2, "minute": 14}
